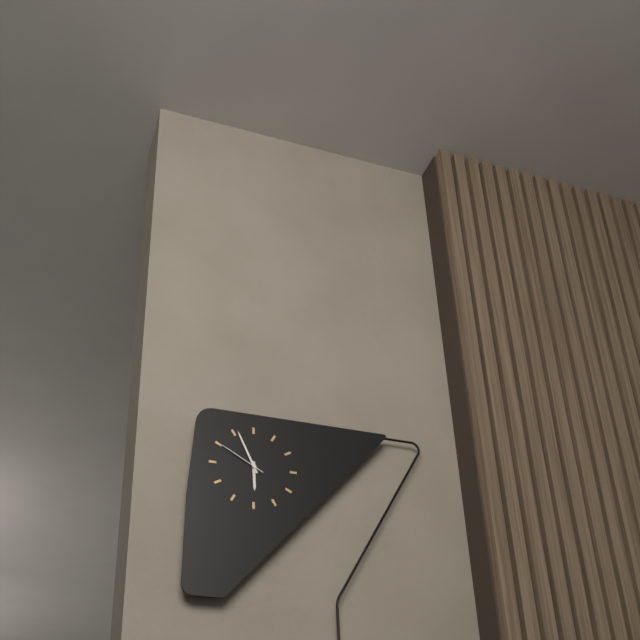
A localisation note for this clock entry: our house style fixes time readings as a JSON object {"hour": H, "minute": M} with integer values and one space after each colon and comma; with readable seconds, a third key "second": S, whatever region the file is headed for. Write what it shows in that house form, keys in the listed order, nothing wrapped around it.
{"hour": 5, "minute": 56, "second": 50}
